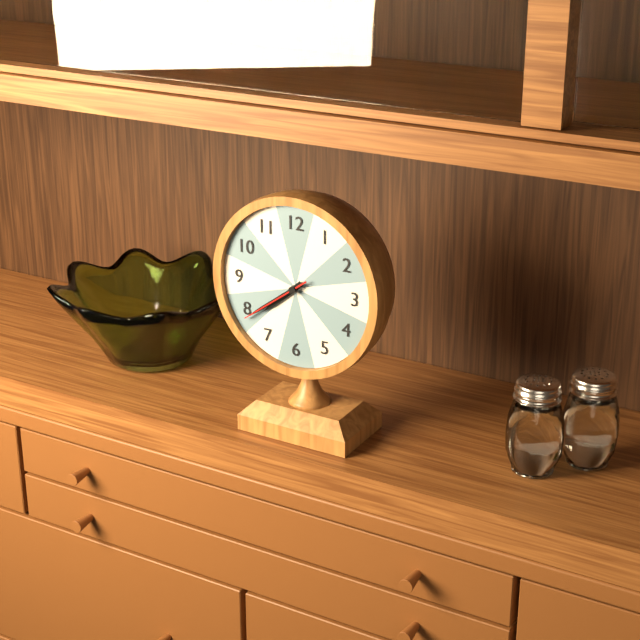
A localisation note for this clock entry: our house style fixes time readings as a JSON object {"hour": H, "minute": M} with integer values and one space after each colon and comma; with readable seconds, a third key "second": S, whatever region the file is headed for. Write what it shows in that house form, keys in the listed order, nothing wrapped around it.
{"hour": 7, "minute": 39, "second": 39}
